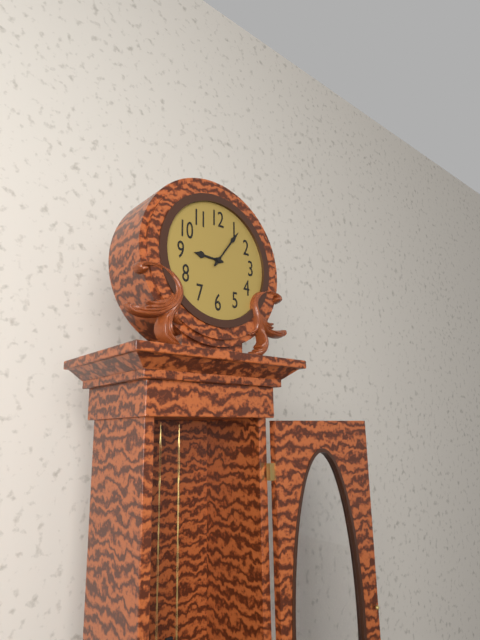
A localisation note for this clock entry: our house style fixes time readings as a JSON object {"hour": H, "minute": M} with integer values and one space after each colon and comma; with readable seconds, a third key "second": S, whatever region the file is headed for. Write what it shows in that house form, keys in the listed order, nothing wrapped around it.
{"hour": 9, "minute": 6}
